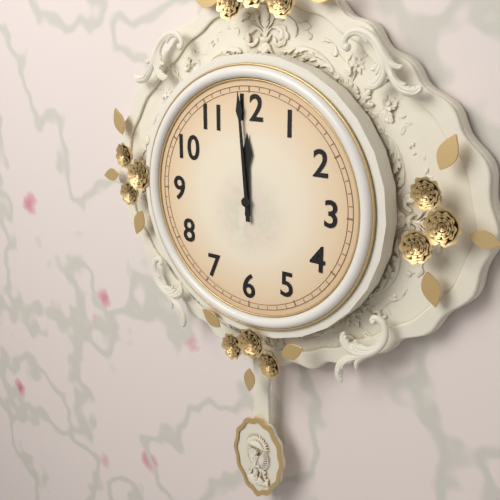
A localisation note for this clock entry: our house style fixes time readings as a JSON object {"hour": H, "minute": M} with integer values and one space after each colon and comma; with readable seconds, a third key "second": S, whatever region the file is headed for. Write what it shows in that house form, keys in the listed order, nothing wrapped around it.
{"hour": 11, "minute": 59}
